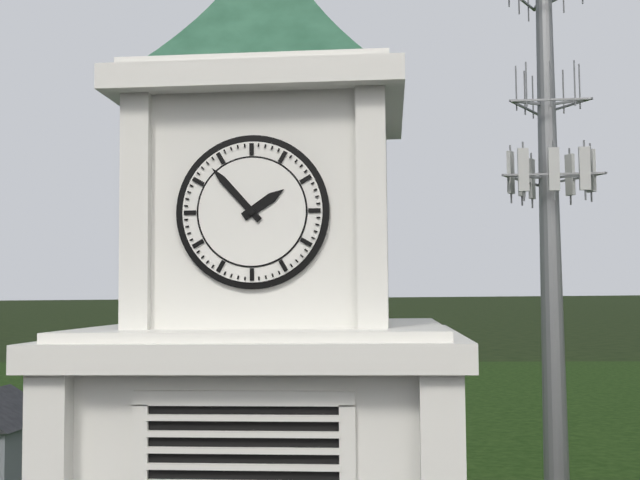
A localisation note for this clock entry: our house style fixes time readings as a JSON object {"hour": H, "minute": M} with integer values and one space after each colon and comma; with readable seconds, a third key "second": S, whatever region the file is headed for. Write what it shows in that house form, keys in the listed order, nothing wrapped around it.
{"hour": 1, "minute": 53}
